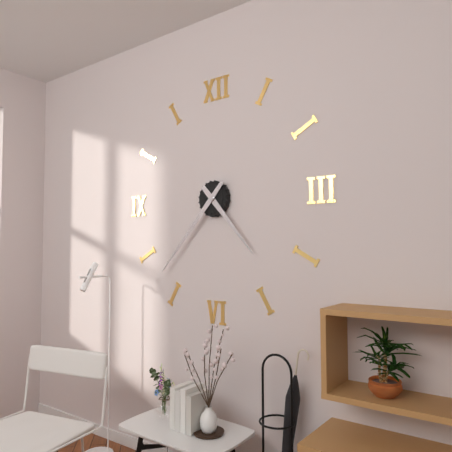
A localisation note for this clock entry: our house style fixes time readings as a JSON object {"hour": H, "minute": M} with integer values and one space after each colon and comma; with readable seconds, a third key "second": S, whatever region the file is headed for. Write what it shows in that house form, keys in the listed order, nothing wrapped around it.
{"hour": 4, "minute": 37}
